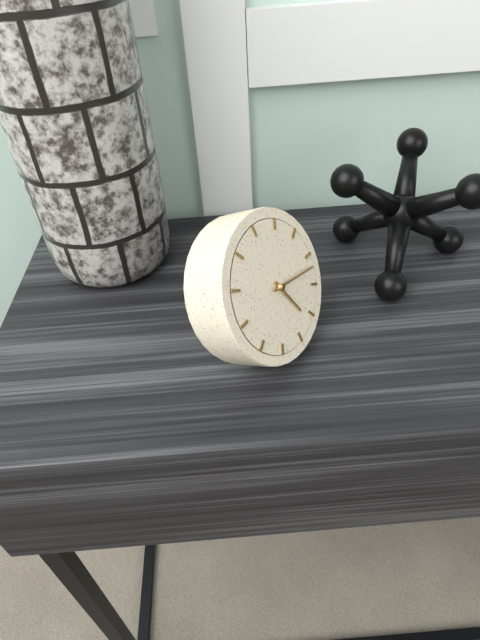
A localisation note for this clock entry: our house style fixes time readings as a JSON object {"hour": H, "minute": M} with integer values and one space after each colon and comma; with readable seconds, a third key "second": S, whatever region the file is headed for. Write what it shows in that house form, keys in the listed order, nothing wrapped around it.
{"hour": 5, "minute": 17}
